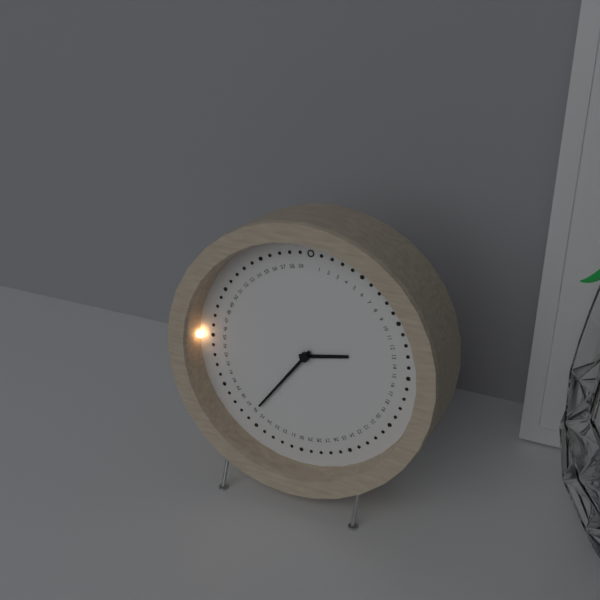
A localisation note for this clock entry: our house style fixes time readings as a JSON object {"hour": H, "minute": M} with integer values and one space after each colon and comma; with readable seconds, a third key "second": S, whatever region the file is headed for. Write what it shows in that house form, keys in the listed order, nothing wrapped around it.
{"hour": 2, "minute": 36}
